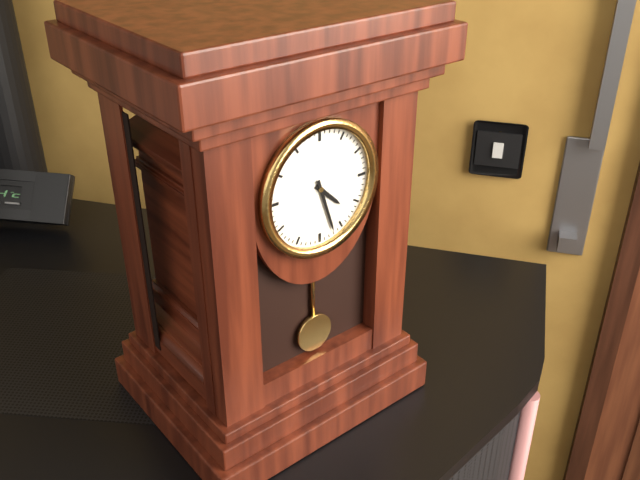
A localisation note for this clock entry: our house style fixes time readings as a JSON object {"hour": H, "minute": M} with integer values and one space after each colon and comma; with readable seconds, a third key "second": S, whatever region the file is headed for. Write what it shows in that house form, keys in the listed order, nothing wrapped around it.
{"hour": 4, "minute": 27}
